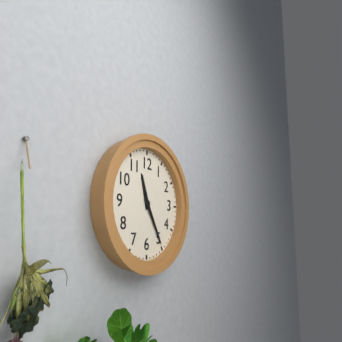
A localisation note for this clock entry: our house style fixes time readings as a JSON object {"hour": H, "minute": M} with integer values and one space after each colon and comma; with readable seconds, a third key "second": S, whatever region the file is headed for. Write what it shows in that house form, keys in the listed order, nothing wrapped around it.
{"hour": 11, "minute": 25}
